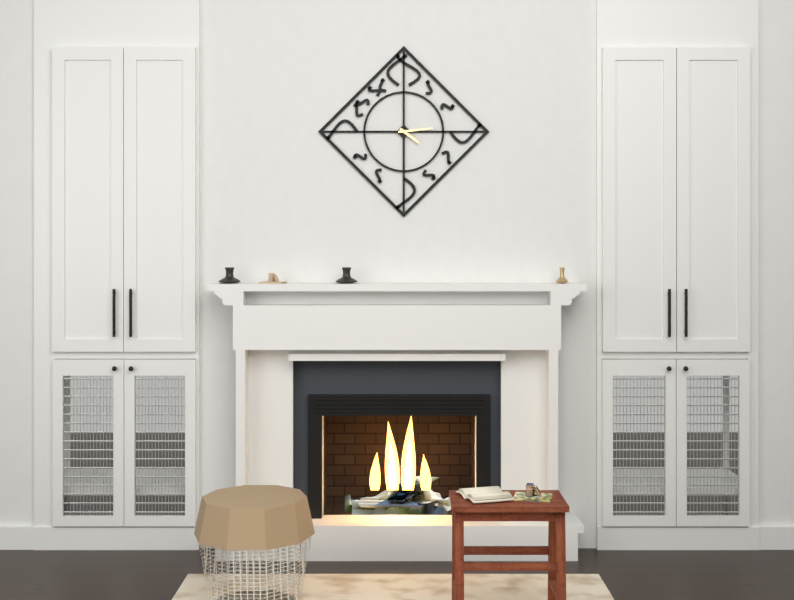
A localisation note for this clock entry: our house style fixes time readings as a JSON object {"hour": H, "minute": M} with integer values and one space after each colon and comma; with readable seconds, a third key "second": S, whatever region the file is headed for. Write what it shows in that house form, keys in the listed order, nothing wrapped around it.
{"hour": 4, "minute": 14}
